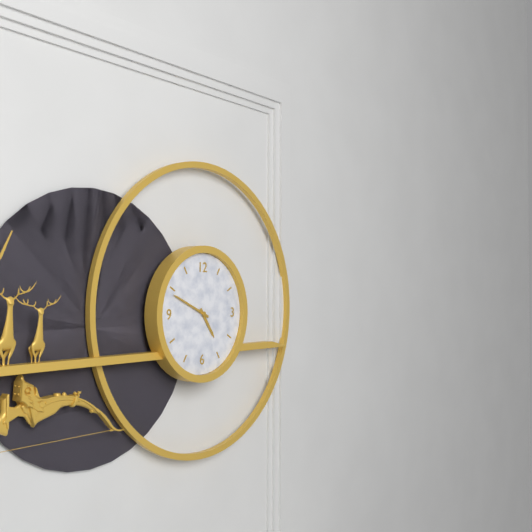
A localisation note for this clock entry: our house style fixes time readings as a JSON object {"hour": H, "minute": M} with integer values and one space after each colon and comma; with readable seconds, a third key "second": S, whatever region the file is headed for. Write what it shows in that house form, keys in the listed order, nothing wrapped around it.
{"hour": 4, "minute": 49}
